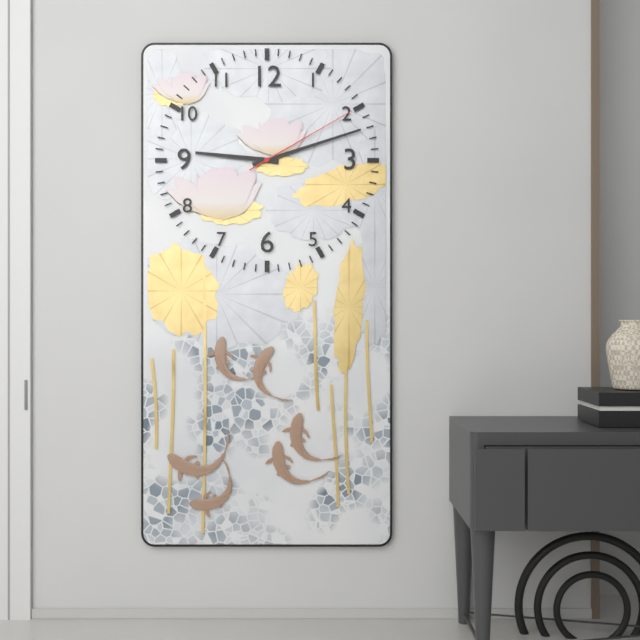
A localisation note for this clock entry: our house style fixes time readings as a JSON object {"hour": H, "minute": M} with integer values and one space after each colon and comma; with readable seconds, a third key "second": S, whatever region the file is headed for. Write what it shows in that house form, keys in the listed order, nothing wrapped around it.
{"hour": 9, "minute": 12, "second": 10}
